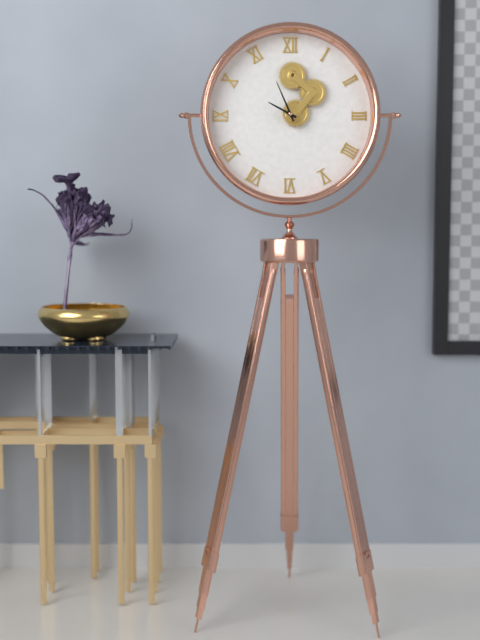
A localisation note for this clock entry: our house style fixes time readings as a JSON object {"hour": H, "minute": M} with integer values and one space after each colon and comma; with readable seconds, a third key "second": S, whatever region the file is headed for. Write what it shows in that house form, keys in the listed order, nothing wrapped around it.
{"hour": 9, "minute": 56}
